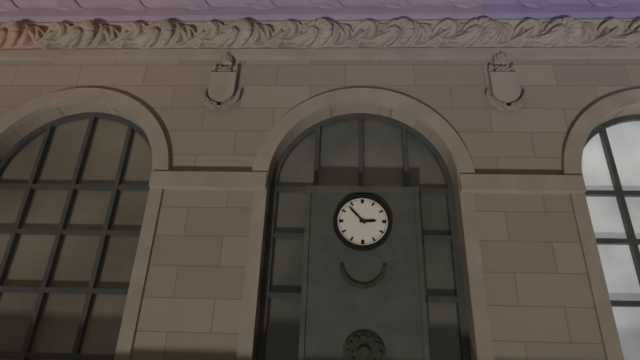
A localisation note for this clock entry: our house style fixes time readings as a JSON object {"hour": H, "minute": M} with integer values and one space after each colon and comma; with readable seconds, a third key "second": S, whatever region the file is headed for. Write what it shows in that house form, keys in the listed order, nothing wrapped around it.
{"hour": 2, "minute": 53}
